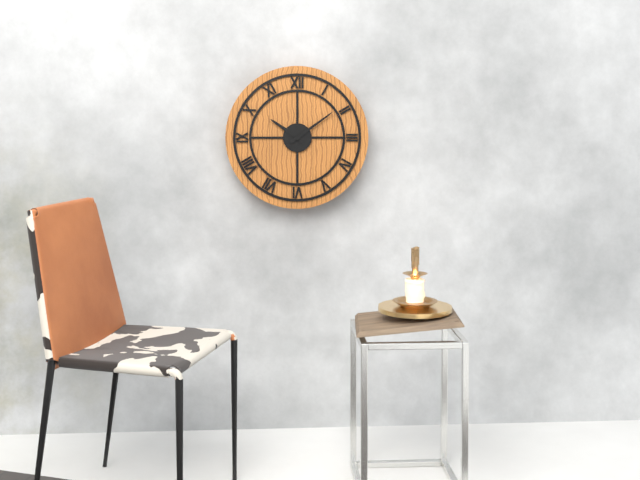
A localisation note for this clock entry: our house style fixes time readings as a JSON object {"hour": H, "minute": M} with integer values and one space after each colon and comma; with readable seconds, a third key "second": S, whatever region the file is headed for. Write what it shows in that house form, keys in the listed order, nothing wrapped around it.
{"hour": 10, "minute": 9}
